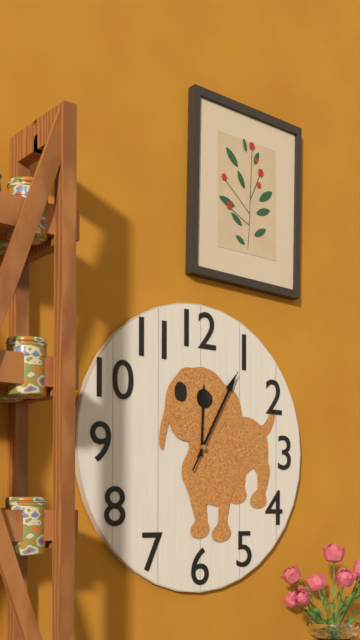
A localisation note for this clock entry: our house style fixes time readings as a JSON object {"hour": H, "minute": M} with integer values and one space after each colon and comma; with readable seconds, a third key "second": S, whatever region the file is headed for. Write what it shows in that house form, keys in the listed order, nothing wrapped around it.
{"hour": 12, "minute": 5, "second": 5}
